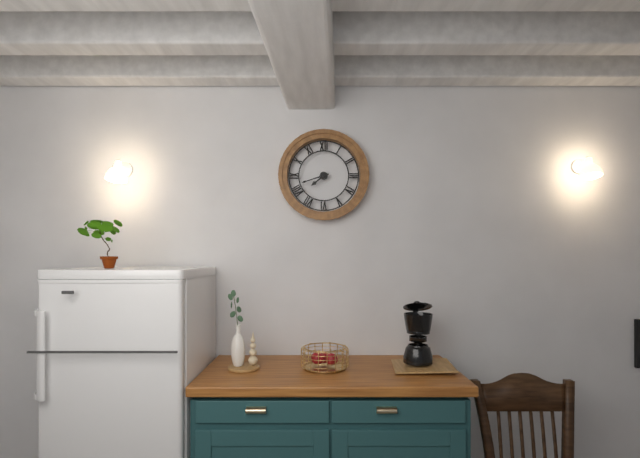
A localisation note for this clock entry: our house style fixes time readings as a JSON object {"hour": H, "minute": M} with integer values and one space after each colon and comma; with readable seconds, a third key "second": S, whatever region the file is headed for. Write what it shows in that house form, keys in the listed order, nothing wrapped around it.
{"hour": 7, "minute": 42}
